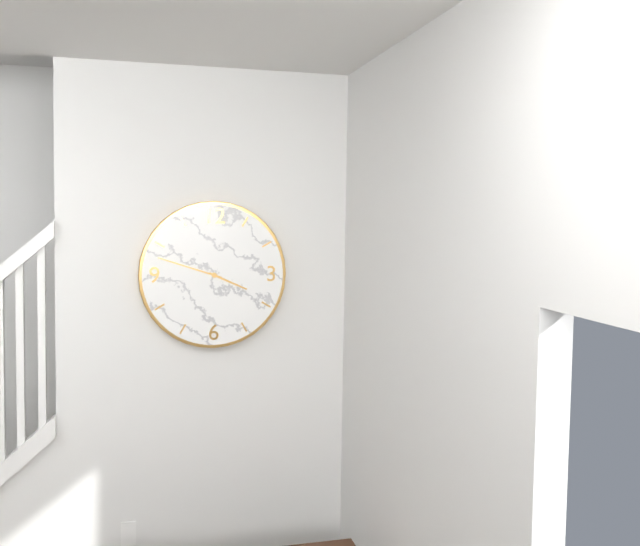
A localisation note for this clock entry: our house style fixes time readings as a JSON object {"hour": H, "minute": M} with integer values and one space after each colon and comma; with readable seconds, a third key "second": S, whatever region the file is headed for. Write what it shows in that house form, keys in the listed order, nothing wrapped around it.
{"hour": 3, "minute": 48}
